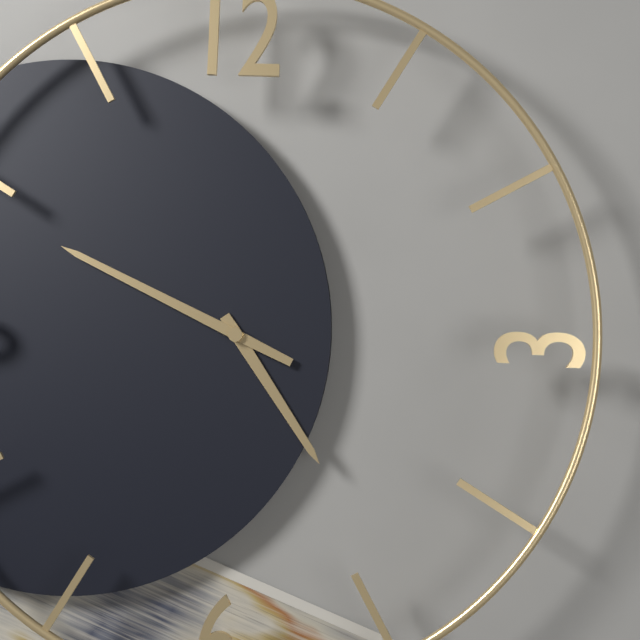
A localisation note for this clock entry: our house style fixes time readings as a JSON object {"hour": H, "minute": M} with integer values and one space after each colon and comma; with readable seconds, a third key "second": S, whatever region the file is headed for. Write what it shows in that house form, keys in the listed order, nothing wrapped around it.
{"hour": 4, "minute": 49}
